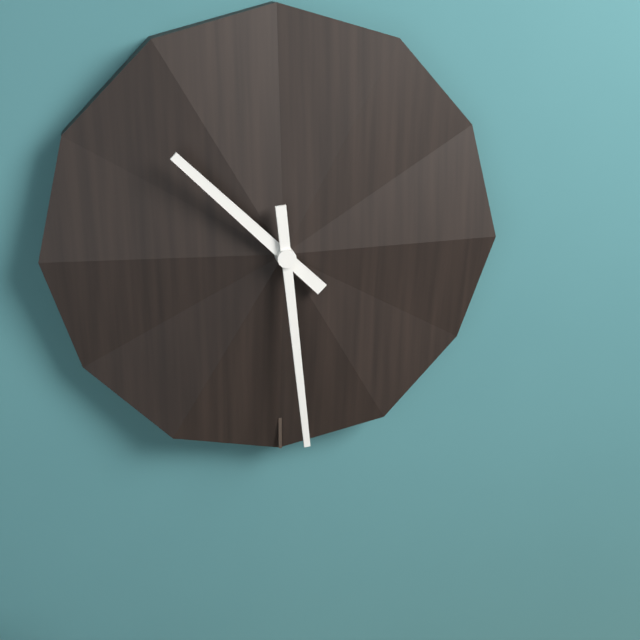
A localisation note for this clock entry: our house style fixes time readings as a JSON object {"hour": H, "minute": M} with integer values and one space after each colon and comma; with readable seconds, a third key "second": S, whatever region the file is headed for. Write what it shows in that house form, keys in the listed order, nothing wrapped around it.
{"hour": 10, "minute": 29}
